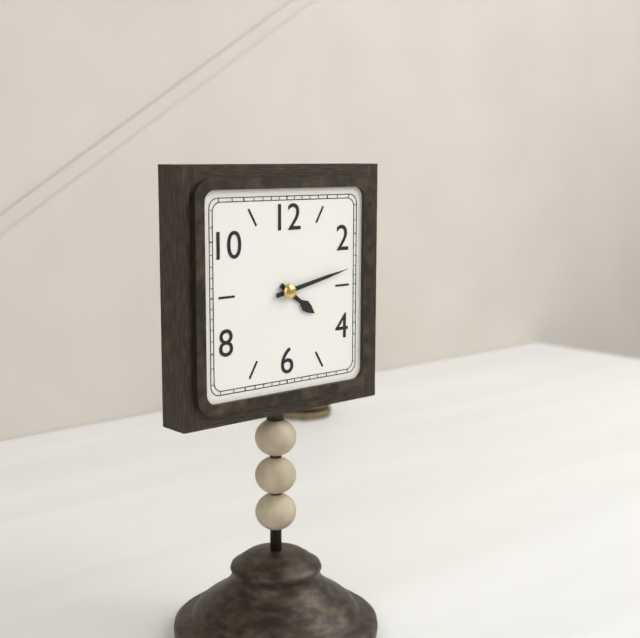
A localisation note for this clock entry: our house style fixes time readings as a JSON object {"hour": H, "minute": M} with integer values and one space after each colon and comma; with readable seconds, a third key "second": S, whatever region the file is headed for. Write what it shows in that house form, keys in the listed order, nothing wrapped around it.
{"hour": 4, "minute": 13}
